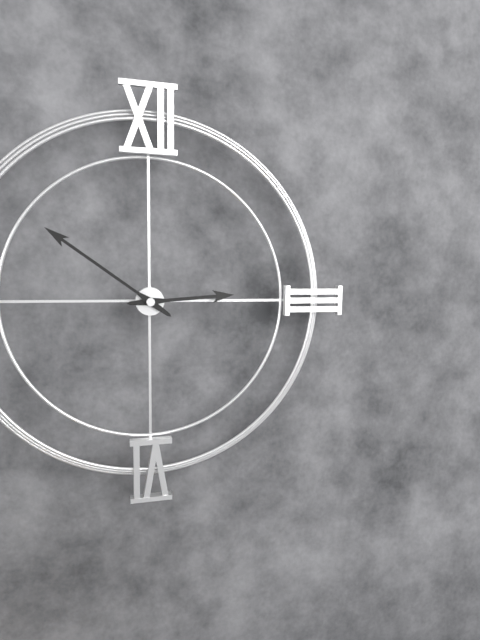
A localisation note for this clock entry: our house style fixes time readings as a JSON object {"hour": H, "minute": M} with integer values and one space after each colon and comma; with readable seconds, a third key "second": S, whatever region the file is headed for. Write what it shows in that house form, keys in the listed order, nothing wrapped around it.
{"hour": 2, "minute": 51}
